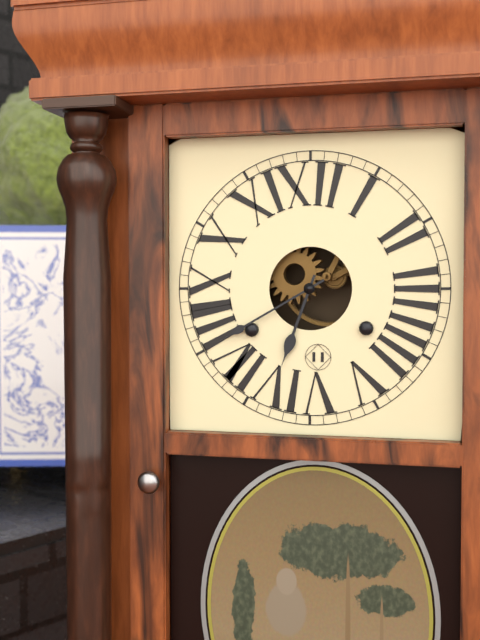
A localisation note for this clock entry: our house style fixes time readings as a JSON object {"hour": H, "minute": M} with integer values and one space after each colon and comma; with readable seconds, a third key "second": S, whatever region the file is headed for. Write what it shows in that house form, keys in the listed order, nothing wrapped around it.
{"hour": 6, "minute": 40}
